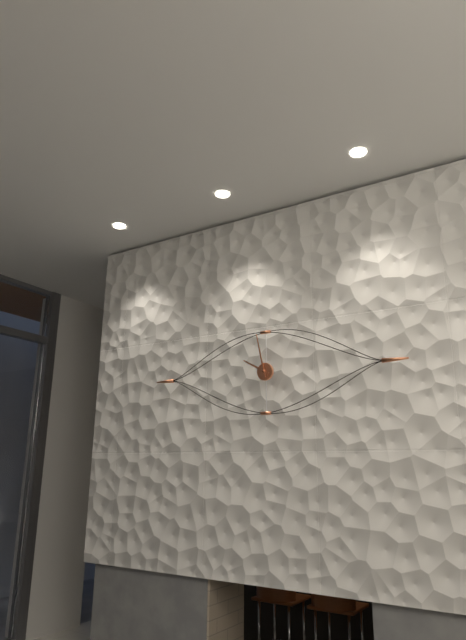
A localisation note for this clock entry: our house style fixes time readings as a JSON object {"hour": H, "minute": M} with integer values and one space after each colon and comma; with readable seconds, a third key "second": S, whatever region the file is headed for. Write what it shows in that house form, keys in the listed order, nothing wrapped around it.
{"hour": 9, "minute": 58}
